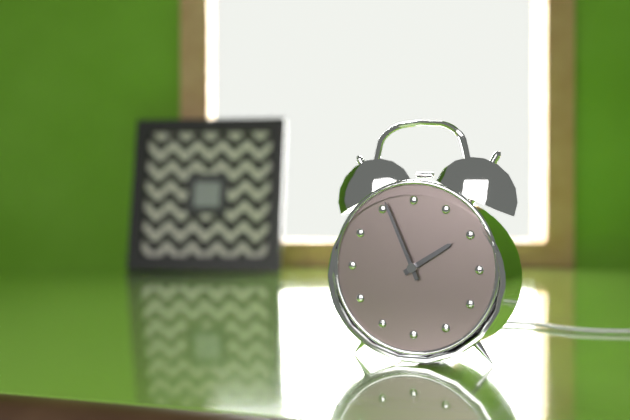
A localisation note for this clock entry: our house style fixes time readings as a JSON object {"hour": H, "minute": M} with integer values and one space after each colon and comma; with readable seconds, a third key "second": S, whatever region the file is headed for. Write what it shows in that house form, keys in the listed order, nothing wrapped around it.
{"hour": 1, "minute": 56}
